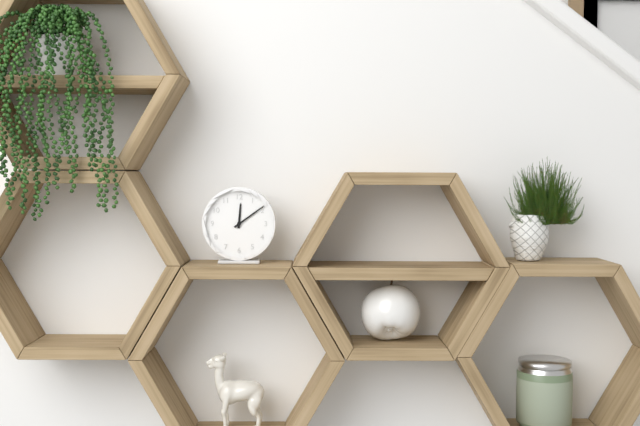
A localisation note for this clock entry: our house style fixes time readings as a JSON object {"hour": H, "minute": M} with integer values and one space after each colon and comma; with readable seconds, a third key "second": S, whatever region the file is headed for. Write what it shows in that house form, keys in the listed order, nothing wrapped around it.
{"hour": 12, "minute": 9}
